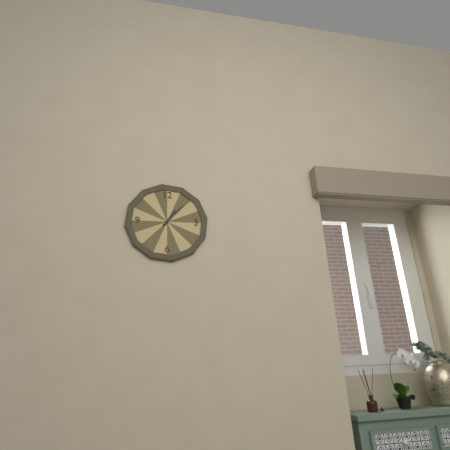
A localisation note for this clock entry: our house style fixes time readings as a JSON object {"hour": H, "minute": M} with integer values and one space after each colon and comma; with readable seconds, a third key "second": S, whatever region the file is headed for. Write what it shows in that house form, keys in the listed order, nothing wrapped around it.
{"hour": 1, "minute": 7}
